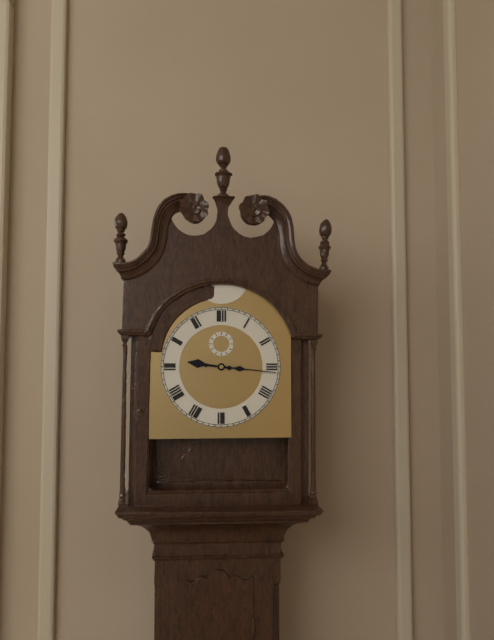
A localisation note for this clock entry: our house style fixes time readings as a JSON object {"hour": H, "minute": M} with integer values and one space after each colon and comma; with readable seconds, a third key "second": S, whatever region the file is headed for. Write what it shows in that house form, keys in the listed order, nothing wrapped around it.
{"hour": 9, "minute": 16}
